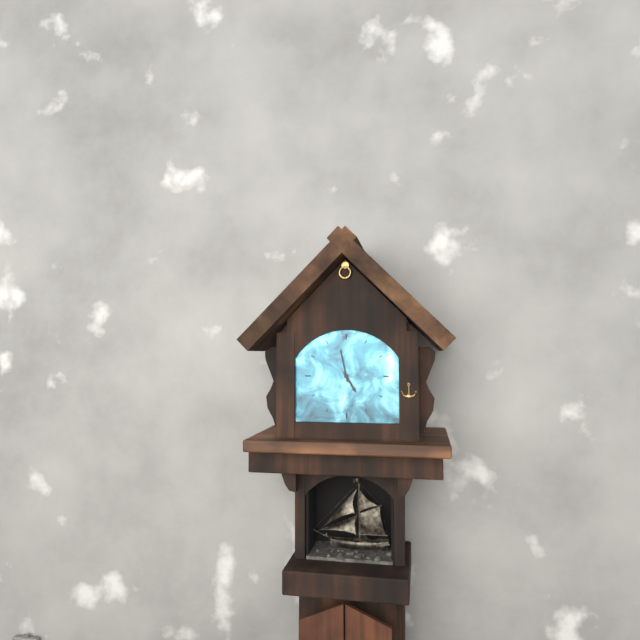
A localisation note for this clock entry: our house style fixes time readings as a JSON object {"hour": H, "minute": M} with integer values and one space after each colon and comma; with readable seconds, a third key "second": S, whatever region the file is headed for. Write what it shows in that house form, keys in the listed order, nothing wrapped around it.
{"hour": 4, "minute": 58}
